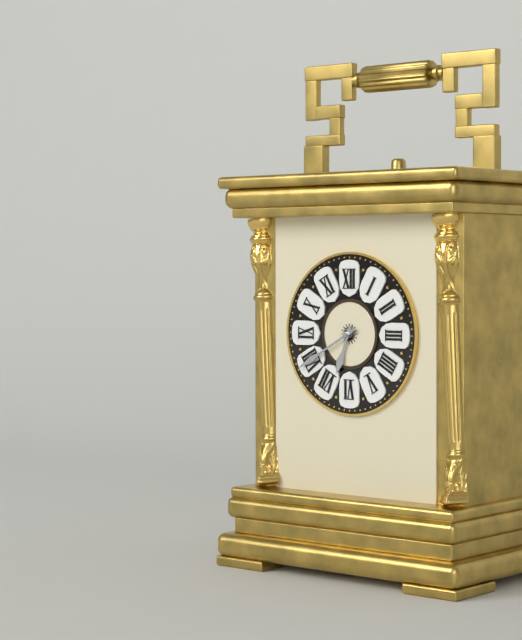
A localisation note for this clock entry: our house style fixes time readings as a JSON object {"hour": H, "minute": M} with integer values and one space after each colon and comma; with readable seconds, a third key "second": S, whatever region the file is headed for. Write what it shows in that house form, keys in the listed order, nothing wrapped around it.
{"hour": 6, "minute": 40}
